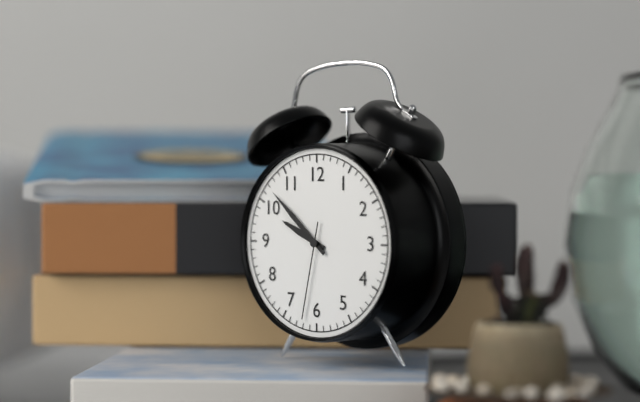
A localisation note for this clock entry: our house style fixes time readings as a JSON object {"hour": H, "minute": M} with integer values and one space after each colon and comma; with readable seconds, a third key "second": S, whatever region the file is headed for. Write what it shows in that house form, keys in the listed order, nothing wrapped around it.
{"hour": 9, "minute": 52, "second": 32}
